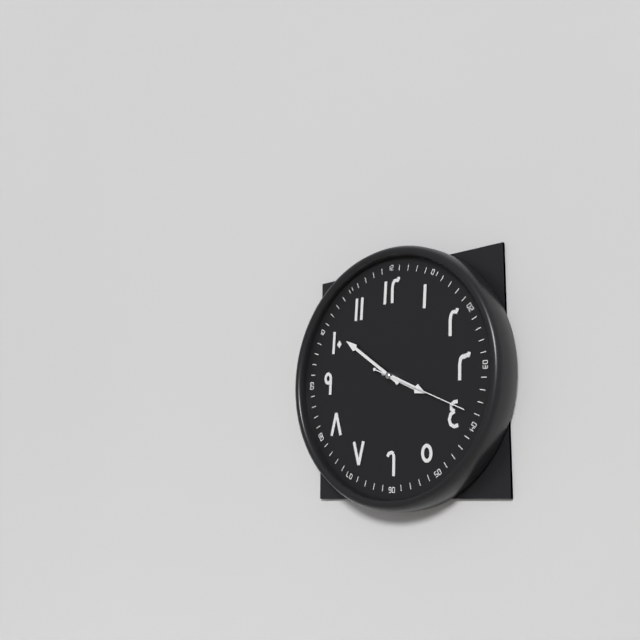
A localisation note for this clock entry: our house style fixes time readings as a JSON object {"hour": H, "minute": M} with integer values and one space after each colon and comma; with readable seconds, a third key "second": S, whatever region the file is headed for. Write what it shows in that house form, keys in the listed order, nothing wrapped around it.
{"hour": 3, "minute": 51, "second": 19}
